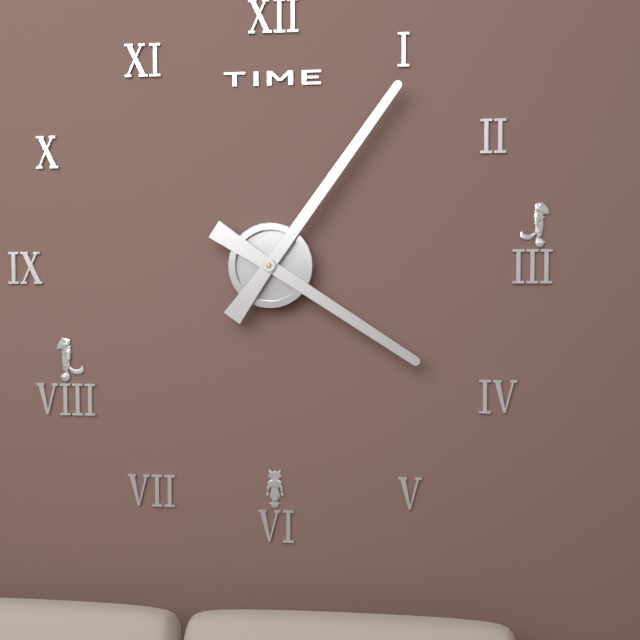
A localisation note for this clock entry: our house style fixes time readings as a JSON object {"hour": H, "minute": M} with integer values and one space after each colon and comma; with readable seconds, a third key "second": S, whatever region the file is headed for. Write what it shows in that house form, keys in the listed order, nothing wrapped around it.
{"hour": 4, "minute": 6}
